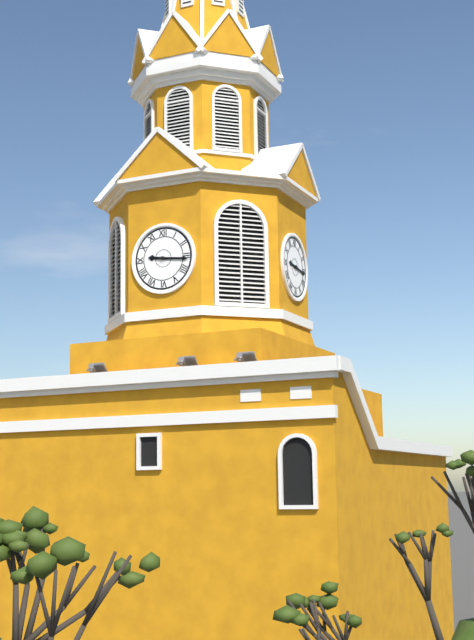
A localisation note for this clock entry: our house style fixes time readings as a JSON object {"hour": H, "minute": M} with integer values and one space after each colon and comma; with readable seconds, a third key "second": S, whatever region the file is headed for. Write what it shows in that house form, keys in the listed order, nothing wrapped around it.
{"hour": 9, "minute": 16}
